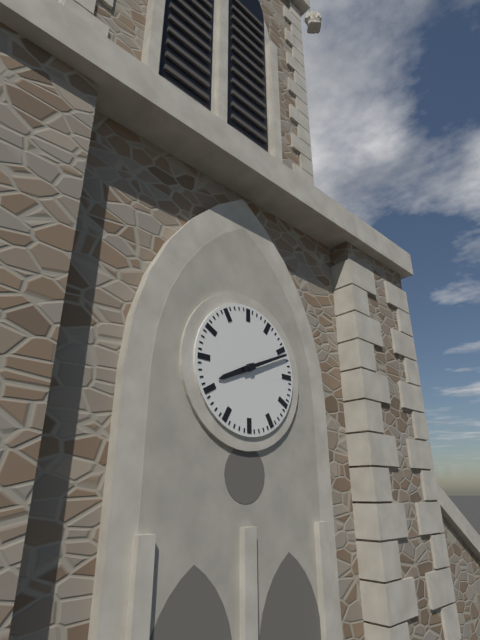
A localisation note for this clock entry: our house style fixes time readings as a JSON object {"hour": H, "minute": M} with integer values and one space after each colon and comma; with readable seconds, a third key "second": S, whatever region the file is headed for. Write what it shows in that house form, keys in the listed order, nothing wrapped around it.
{"hour": 8, "minute": 11}
